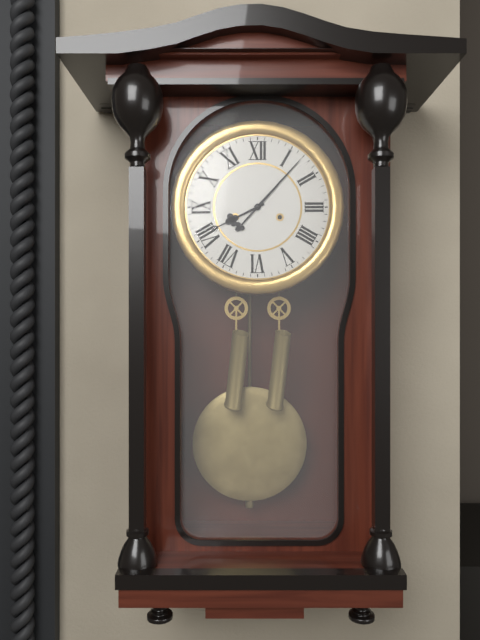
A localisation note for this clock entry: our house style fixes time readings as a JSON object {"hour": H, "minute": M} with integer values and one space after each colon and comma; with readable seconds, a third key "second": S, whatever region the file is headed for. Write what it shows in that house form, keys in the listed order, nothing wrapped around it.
{"hour": 8, "minute": 7}
